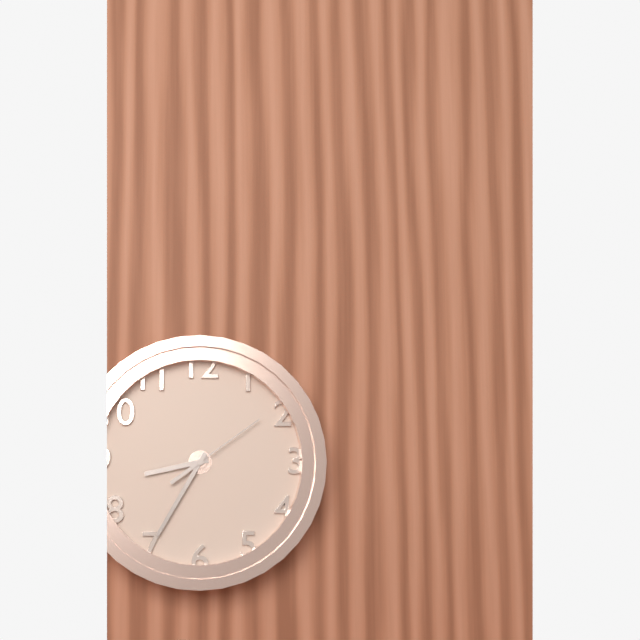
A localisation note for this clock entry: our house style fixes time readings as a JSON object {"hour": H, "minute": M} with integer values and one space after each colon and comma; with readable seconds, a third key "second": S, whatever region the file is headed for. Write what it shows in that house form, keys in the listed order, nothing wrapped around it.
{"hour": 8, "minute": 35, "second": 9}
